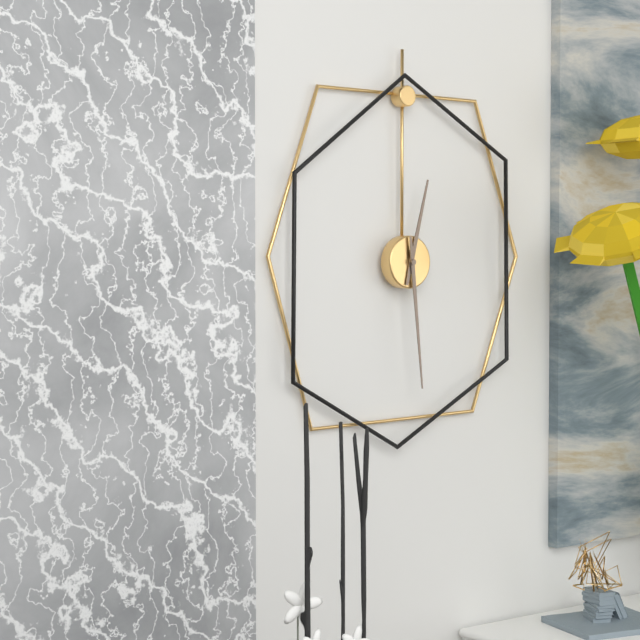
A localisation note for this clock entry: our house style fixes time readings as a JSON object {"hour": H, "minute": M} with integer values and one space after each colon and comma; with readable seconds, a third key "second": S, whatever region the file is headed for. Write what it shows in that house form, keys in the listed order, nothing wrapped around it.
{"hour": 12, "minute": 29}
